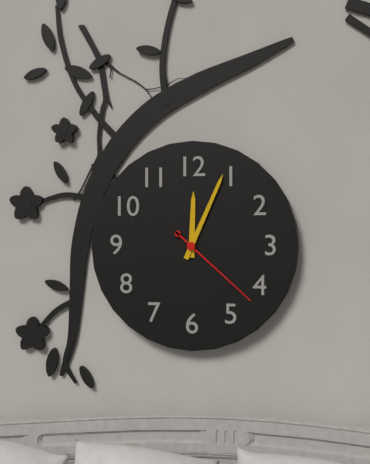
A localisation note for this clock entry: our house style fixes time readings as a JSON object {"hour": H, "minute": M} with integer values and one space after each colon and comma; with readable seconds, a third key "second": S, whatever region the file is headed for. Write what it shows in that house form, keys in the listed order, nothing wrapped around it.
{"hour": 12, "minute": 4, "second": 22}
